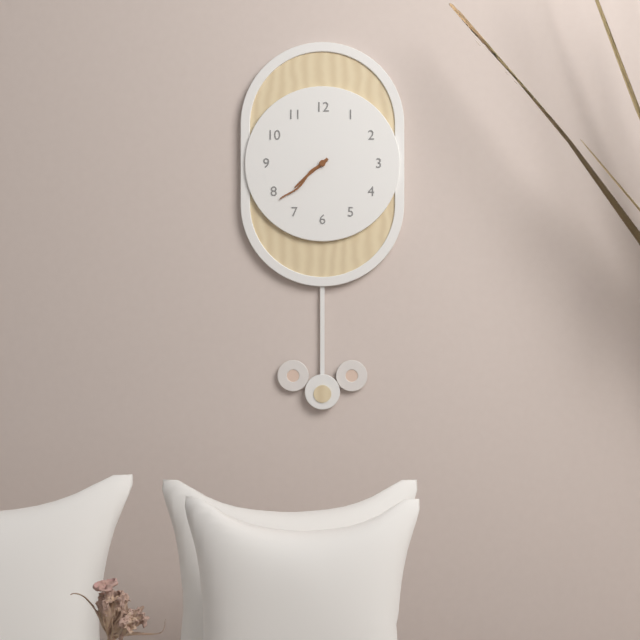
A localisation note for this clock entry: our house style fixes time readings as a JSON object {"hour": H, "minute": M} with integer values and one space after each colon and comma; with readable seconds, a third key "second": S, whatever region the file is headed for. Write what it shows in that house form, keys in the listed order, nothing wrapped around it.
{"hour": 7, "minute": 38}
